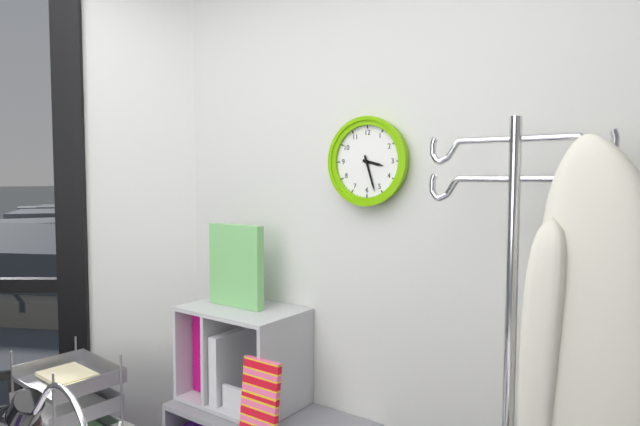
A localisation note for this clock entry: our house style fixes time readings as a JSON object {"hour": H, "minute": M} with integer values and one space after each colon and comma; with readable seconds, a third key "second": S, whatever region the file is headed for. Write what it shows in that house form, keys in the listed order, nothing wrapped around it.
{"hour": 3, "minute": 27}
